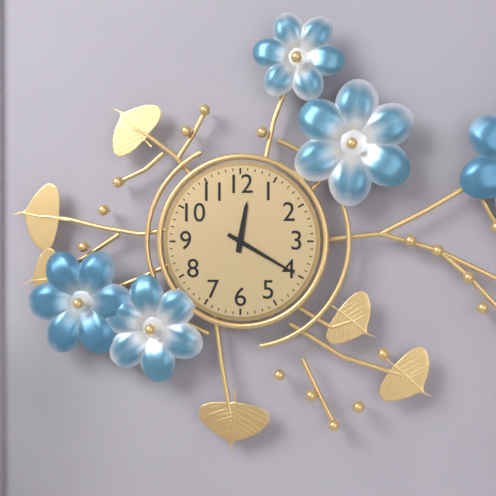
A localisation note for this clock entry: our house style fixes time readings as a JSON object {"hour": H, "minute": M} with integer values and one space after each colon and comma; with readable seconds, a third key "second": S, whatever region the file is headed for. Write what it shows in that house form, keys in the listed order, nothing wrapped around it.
{"hour": 12, "minute": 20}
